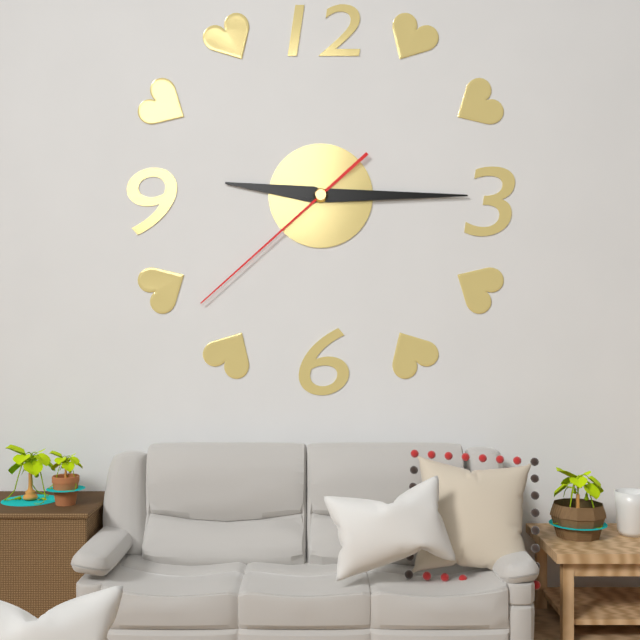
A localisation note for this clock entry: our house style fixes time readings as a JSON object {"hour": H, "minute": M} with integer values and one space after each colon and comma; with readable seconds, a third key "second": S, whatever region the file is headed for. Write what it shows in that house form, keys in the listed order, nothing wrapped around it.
{"hour": 9, "minute": 15, "second": 38}
